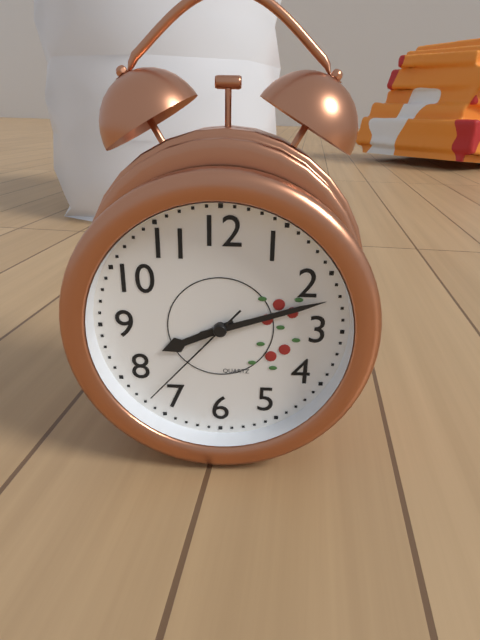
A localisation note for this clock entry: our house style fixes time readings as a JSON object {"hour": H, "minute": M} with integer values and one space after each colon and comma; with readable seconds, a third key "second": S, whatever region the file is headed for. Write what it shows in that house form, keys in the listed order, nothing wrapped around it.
{"hour": 8, "minute": 12, "second": 37}
